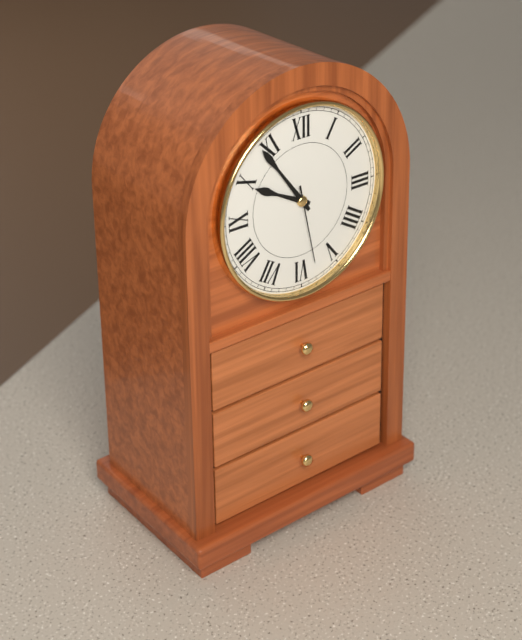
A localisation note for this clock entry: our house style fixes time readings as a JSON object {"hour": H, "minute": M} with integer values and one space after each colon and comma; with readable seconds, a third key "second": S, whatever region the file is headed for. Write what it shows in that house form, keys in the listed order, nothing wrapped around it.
{"hour": 9, "minute": 54, "second": 28}
